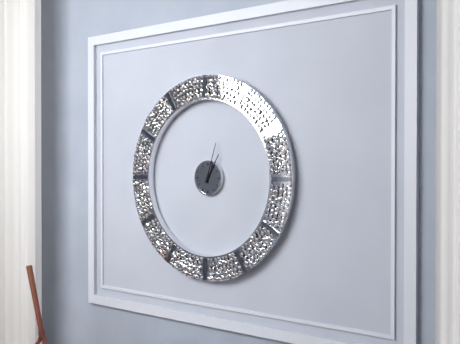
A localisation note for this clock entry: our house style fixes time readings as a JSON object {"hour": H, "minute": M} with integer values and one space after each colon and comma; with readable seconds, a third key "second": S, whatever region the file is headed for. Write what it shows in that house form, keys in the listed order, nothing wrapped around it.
{"hour": 1, "minute": 3}
